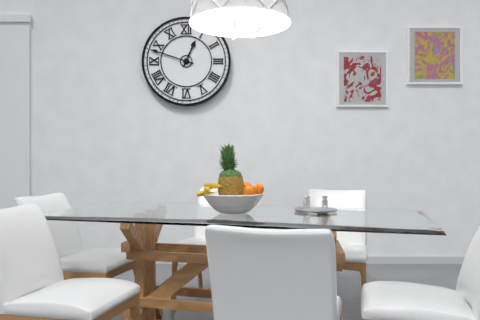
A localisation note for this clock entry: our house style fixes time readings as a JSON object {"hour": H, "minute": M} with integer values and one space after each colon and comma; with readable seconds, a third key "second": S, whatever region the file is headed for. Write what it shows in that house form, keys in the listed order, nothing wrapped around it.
{"hour": 12, "minute": 48}
